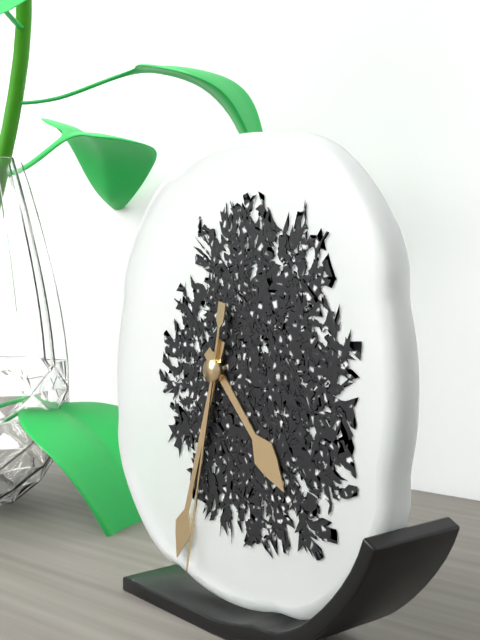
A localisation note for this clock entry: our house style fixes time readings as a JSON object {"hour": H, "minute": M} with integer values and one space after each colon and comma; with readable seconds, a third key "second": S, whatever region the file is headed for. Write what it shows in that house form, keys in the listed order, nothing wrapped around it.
{"hour": 4, "minute": 33, "second": 32}
